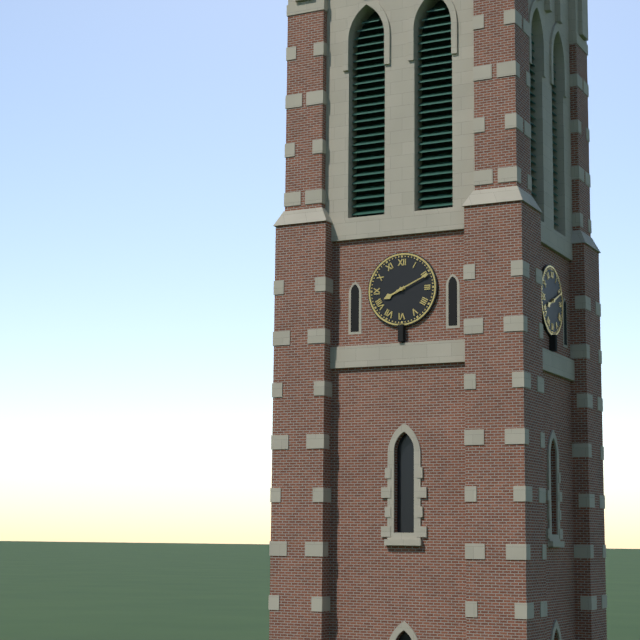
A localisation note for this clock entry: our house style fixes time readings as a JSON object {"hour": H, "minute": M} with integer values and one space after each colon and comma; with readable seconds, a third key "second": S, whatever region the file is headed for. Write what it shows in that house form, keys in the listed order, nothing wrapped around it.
{"hour": 8, "minute": 11}
